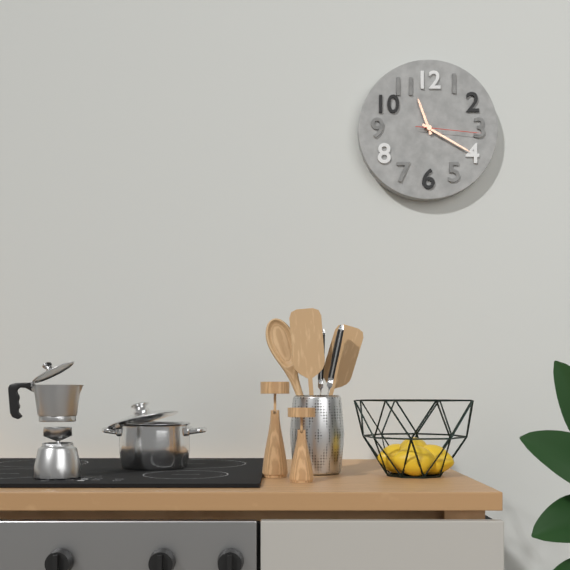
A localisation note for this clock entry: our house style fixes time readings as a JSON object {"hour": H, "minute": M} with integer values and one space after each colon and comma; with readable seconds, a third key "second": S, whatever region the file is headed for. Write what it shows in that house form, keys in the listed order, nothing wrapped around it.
{"hour": 11, "minute": 20, "second": 16}
